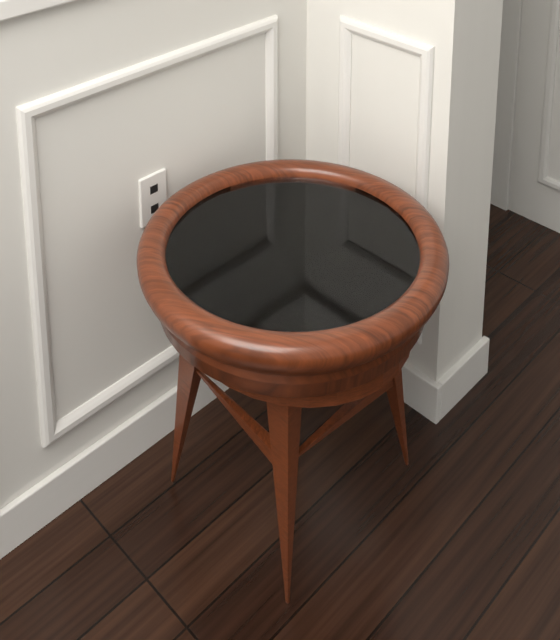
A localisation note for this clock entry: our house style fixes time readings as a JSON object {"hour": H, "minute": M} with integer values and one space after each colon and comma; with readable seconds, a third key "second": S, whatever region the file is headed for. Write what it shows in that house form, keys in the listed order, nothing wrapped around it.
{"hour": 6, "minute": 9}
